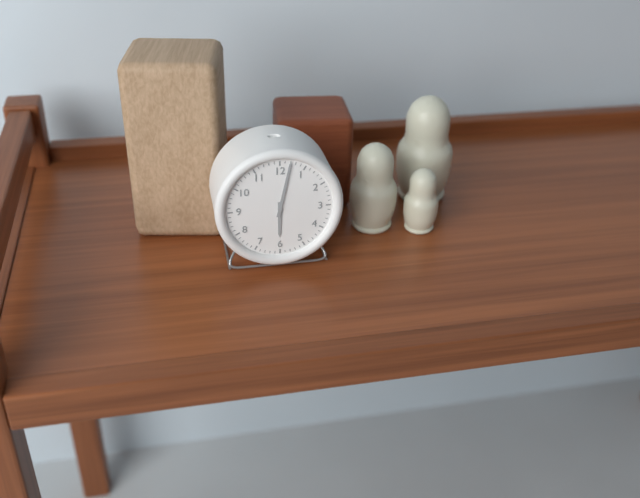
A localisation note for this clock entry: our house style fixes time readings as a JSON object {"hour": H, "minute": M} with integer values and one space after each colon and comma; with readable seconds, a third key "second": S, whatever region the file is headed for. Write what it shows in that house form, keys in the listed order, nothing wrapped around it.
{"hour": 6, "minute": 2}
